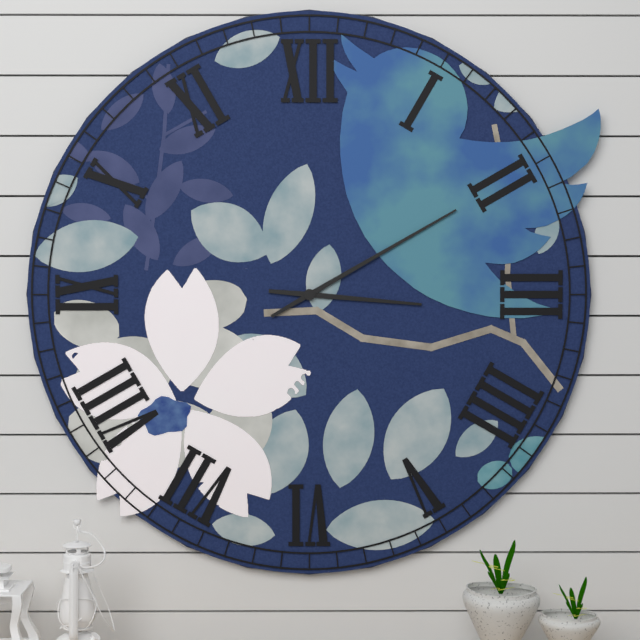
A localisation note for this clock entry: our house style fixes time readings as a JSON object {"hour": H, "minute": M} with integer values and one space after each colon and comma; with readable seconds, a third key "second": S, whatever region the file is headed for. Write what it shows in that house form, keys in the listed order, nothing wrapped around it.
{"hour": 3, "minute": 10}
